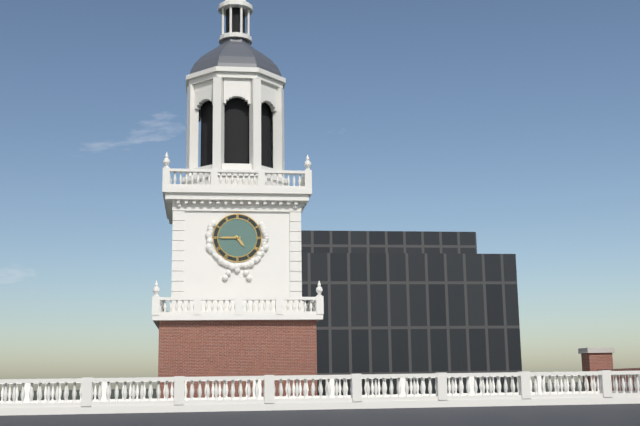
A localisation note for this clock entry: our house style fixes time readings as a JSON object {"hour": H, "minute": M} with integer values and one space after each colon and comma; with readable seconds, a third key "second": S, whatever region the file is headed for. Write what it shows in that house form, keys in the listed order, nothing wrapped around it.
{"hour": 4, "minute": 45}
